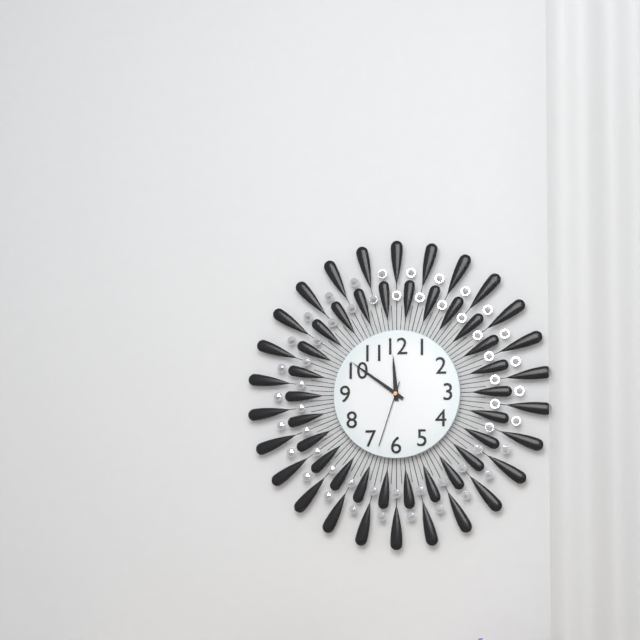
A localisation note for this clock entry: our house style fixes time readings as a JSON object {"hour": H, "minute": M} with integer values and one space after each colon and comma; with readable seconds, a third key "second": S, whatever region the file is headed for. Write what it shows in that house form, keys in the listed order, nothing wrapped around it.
{"hour": 11, "minute": 51, "second": 33}
